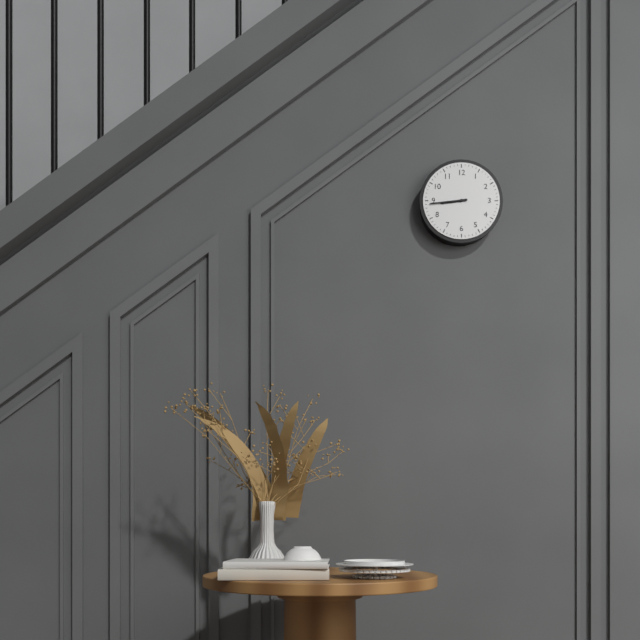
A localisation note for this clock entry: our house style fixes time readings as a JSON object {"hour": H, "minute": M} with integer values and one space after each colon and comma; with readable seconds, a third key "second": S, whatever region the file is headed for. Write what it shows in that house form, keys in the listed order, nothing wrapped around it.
{"hour": 8, "minute": 44}
